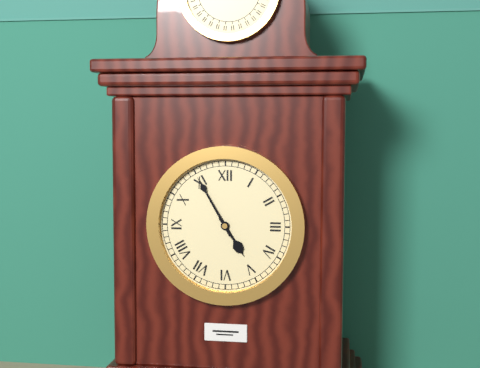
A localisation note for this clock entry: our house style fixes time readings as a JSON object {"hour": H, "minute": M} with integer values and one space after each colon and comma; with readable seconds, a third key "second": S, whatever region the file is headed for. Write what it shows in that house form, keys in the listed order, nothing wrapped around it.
{"hour": 4, "minute": 55}
